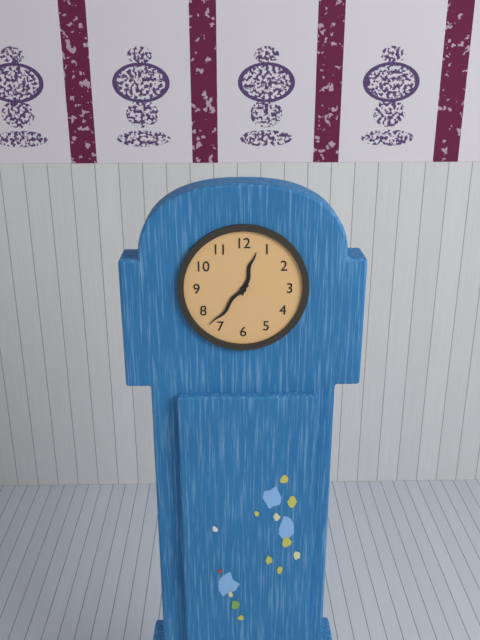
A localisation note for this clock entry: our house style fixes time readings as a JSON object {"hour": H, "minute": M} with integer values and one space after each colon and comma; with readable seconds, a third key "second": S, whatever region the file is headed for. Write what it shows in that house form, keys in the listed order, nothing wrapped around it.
{"hour": 12, "minute": 37}
